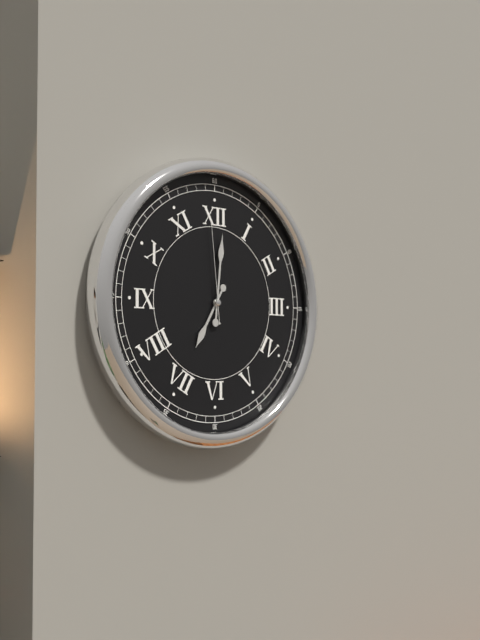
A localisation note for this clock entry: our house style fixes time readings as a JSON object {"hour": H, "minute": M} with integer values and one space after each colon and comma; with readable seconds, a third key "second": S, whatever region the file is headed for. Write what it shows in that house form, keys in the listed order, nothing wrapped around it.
{"hour": 7, "minute": 1, "second": 59}
